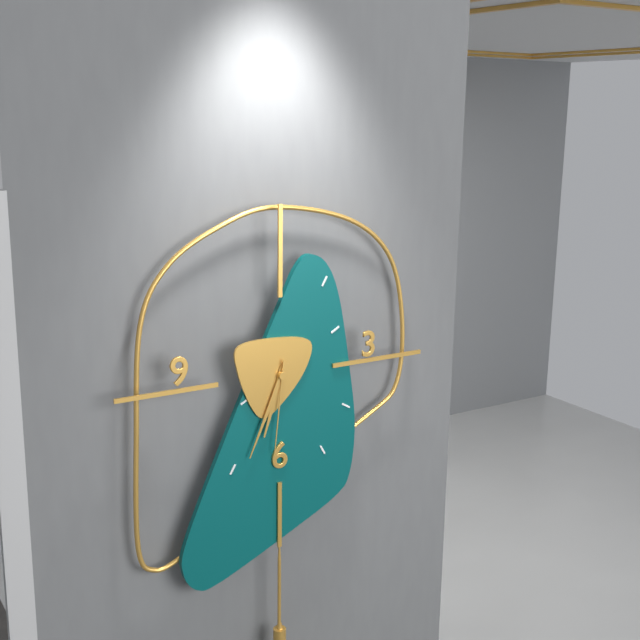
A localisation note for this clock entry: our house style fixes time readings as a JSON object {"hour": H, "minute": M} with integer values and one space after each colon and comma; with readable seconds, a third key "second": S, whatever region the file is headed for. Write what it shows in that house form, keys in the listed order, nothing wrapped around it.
{"hour": 6, "minute": 34, "second": 31}
